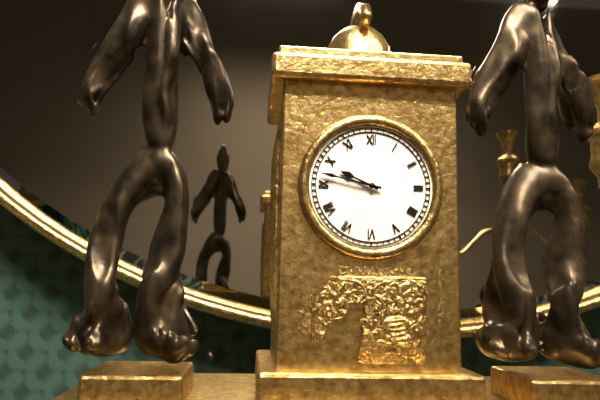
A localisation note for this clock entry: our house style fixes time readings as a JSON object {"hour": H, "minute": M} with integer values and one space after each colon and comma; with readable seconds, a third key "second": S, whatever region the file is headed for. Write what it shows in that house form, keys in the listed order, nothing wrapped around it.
{"hour": 9, "minute": 47}
